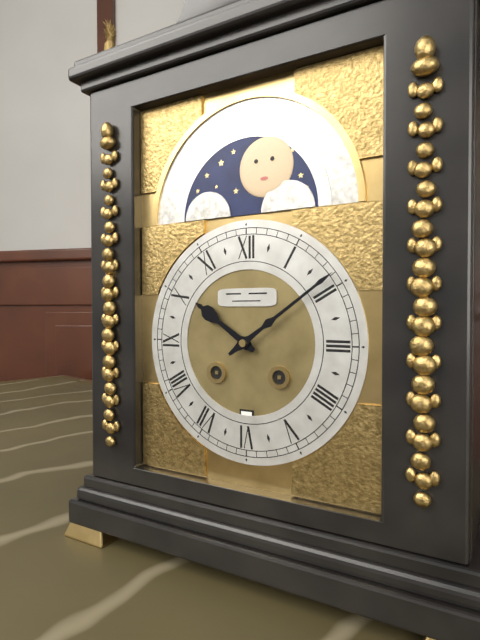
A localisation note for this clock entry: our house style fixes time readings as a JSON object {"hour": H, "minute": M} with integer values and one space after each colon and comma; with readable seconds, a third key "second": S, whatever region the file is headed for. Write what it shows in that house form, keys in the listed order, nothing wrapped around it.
{"hour": 10, "minute": 9}
